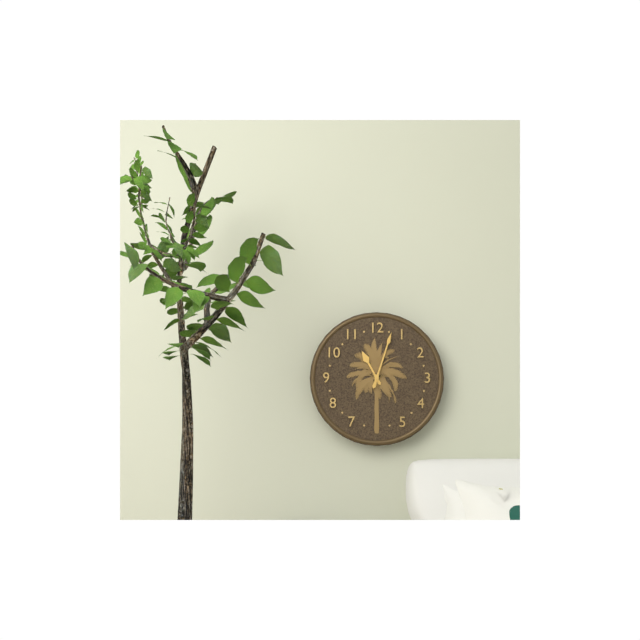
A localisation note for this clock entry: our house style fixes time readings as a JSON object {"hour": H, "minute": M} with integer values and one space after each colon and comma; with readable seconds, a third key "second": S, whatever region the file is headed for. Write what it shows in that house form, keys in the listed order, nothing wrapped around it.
{"hour": 11, "minute": 3}
